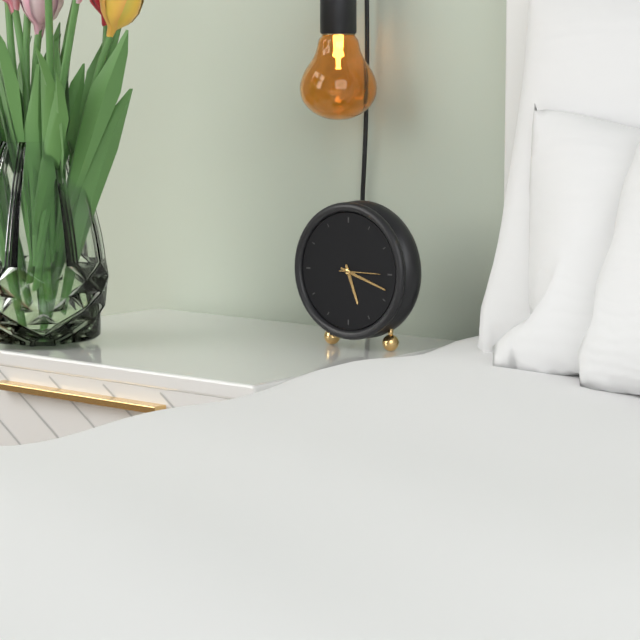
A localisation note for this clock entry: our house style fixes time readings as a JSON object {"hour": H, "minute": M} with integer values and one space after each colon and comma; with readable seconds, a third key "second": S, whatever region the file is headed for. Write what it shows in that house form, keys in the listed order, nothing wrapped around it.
{"hour": 5, "minute": 18}
